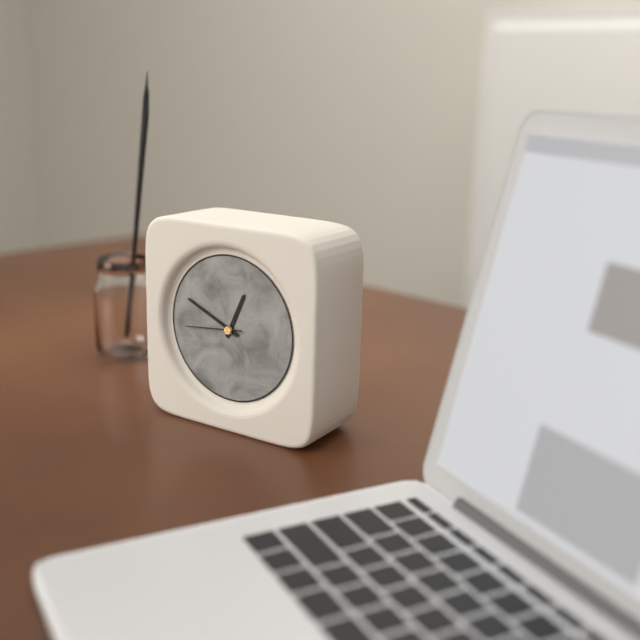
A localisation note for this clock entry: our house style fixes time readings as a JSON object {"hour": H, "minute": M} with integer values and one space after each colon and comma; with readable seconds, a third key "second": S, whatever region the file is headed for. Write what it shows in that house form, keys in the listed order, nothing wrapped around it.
{"hour": 12, "minute": 49, "second": 44}
